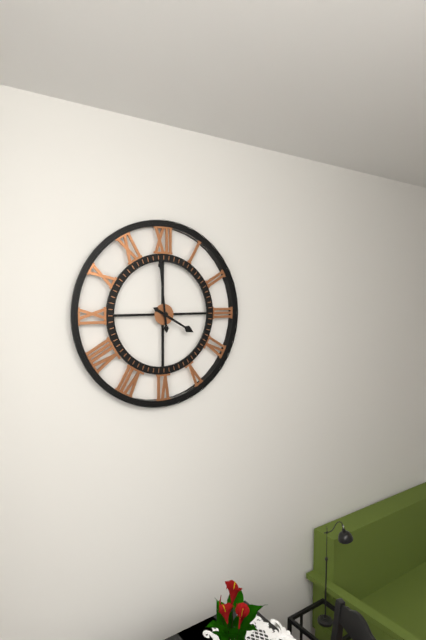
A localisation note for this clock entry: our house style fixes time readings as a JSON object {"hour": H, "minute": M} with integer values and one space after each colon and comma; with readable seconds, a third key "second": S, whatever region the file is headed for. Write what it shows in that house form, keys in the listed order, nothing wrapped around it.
{"hour": 3, "minute": 59}
